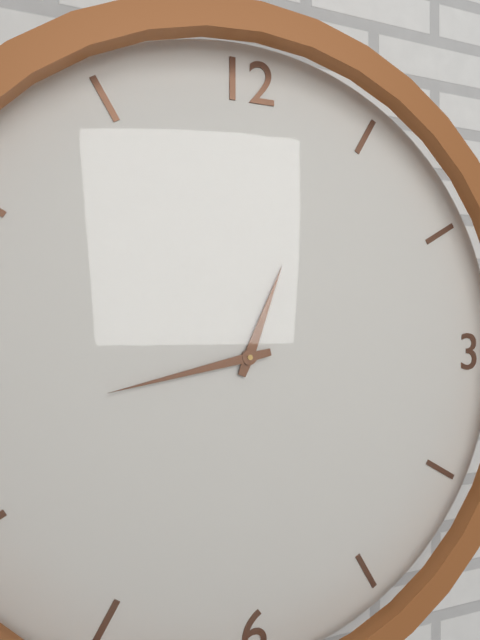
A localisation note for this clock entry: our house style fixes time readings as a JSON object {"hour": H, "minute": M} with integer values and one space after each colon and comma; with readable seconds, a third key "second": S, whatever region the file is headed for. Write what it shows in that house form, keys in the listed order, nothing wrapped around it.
{"hour": 12, "minute": 43}
